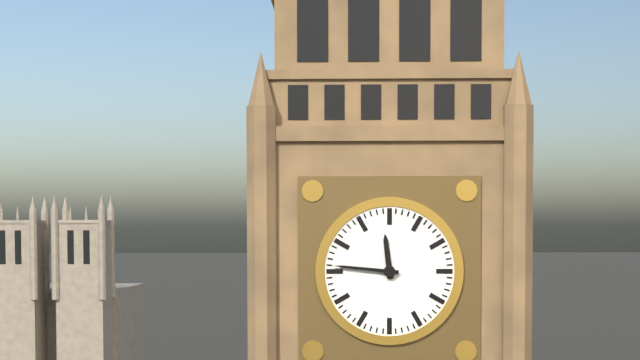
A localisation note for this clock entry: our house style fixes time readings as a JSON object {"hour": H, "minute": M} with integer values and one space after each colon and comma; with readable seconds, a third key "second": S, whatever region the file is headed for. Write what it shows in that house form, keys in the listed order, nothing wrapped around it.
{"hour": 11, "minute": 46}
